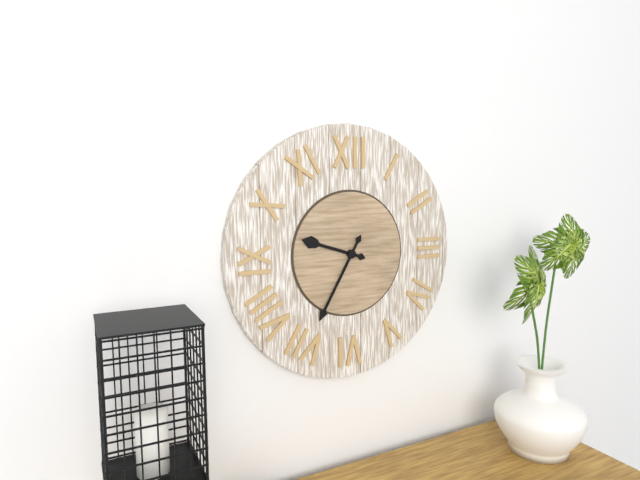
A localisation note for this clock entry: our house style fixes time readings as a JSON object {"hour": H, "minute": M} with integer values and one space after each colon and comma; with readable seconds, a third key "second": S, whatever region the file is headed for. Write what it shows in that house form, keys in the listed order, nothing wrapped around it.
{"hour": 9, "minute": 35}
